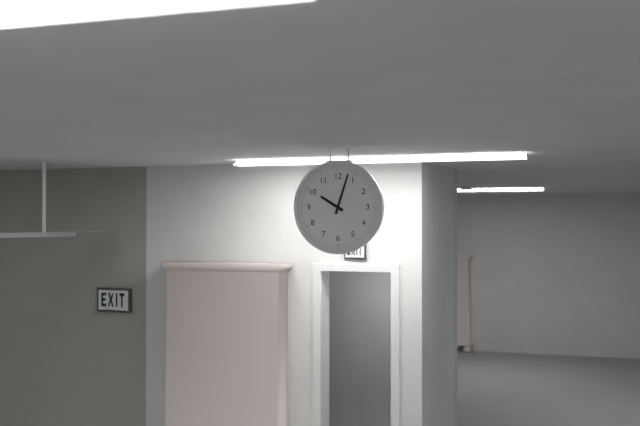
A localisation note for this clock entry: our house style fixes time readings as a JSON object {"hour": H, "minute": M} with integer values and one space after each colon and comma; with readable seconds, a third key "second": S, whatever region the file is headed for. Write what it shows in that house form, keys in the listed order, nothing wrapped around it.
{"hour": 10, "minute": 3}
